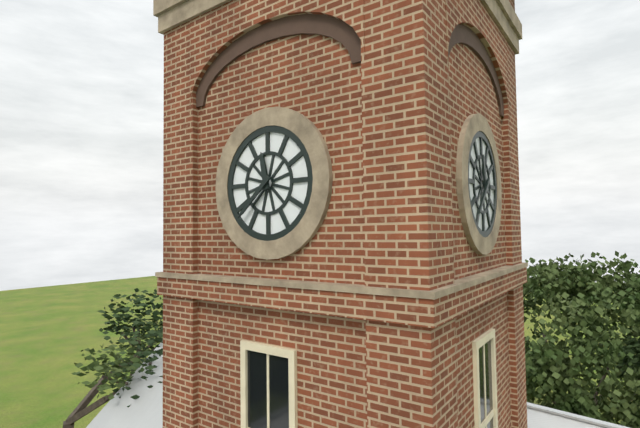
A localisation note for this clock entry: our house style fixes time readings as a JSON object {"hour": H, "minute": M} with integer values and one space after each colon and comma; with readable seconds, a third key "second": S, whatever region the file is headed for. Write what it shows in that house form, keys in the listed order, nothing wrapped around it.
{"hour": 11, "minute": 38}
